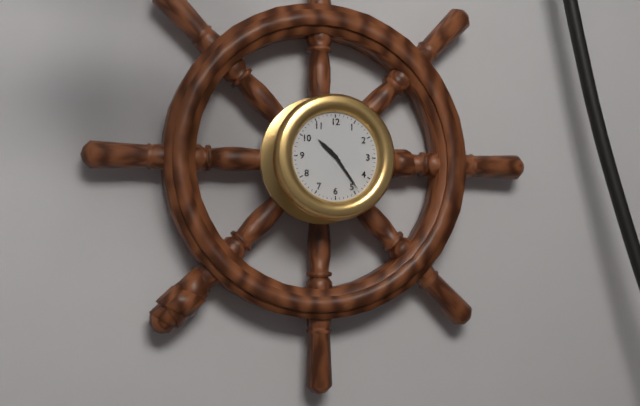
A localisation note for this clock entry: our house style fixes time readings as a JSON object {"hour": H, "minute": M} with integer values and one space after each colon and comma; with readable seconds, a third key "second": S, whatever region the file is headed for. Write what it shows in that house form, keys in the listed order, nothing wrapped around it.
{"hour": 10, "minute": 24}
